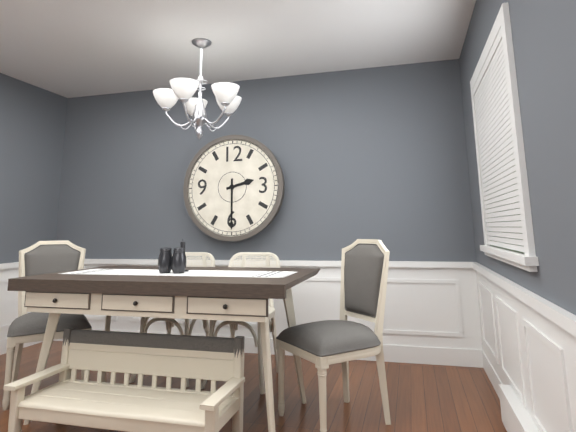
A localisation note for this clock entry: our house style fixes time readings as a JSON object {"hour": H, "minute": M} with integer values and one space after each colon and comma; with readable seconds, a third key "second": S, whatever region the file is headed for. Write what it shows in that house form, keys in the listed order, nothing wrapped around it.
{"hour": 2, "minute": 30}
